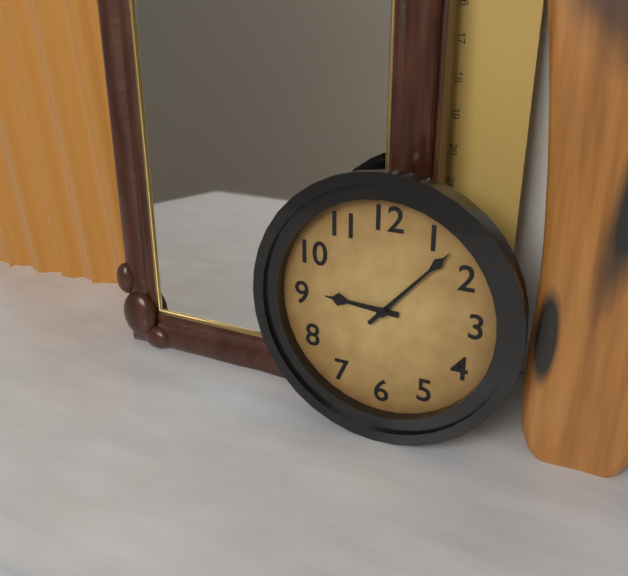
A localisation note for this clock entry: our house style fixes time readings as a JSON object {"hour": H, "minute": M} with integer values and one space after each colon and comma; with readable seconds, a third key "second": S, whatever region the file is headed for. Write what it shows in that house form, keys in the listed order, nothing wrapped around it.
{"hour": 9, "minute": 7}
